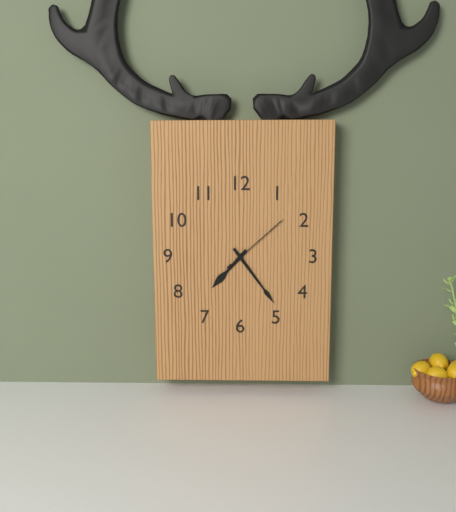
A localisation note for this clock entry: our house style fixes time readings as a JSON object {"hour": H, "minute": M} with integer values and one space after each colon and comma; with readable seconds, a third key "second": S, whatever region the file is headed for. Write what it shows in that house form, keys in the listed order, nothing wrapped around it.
{"hour": 7, "minute": 24, "second": 8}
